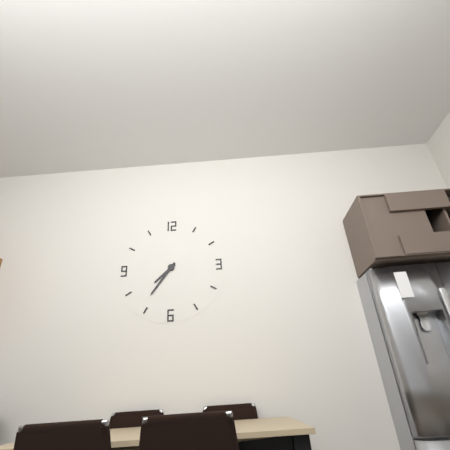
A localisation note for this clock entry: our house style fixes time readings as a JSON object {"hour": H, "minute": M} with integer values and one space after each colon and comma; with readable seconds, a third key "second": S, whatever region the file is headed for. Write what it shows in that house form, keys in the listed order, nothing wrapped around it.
{"hour": 7, "minute": 36}
